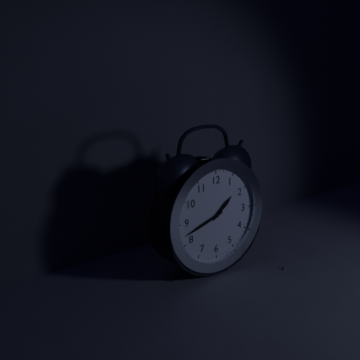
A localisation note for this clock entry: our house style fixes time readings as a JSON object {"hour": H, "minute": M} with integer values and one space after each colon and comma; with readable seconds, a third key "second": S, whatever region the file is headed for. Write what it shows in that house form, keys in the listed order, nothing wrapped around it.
{"hour": 1, "minute": 42}
